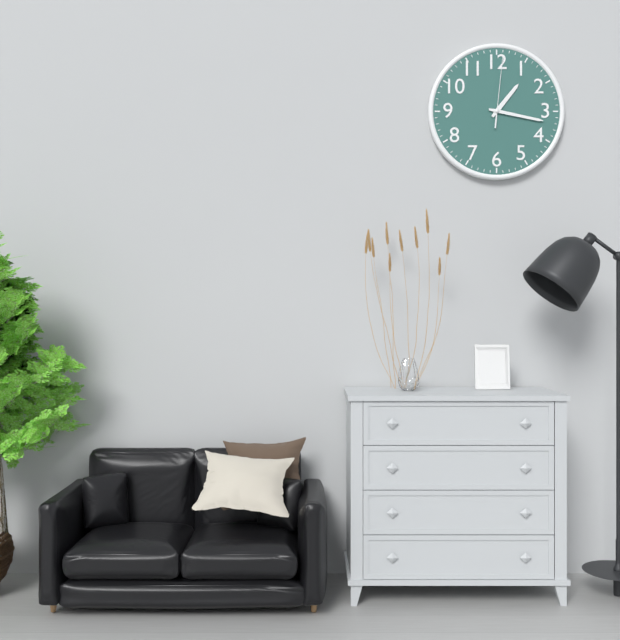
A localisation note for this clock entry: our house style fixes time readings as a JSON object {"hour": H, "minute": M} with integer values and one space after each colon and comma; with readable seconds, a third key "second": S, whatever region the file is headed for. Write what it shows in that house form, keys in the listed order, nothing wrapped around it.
{"hour": 1, "minute": 17, "second": 1}
